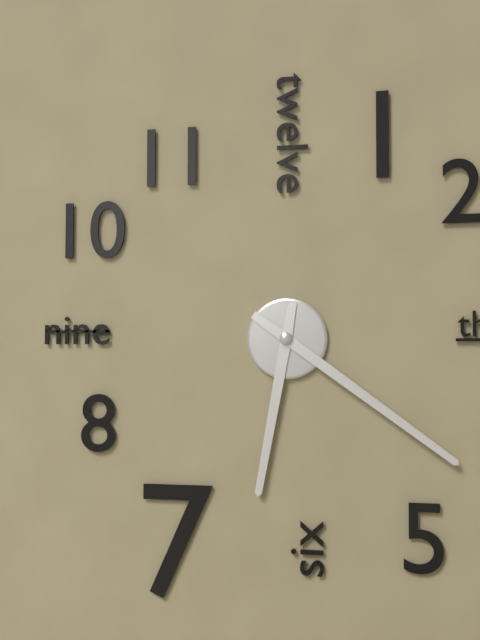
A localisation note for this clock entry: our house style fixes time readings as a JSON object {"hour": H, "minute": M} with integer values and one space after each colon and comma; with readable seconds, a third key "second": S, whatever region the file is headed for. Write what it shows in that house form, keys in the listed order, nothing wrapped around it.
{"hour": 6, "minute": 21}
